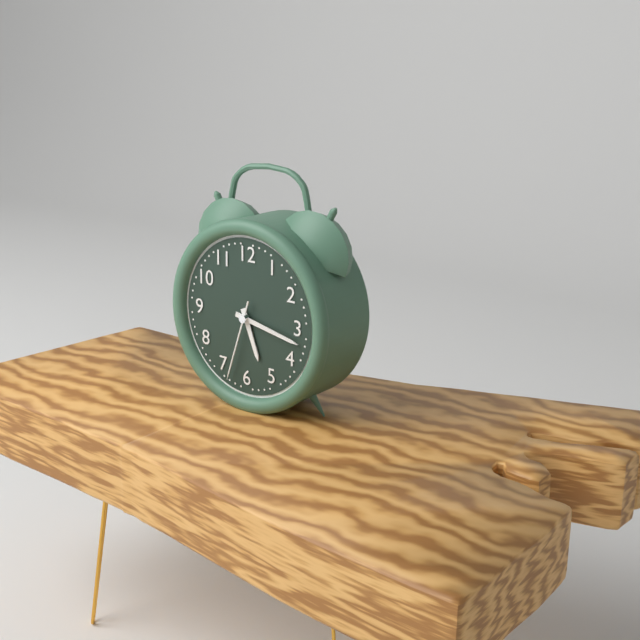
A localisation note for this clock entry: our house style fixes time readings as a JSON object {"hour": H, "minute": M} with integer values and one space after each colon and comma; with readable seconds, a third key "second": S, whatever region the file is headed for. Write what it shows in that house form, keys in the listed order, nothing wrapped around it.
{"hour": 5, "minute": 17, "second": 33}
